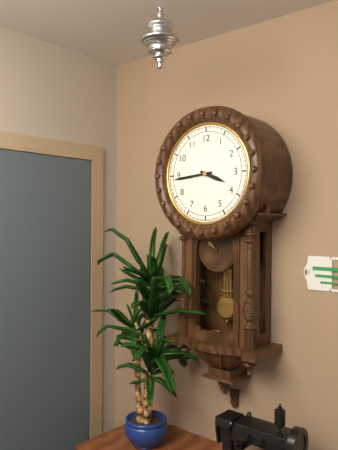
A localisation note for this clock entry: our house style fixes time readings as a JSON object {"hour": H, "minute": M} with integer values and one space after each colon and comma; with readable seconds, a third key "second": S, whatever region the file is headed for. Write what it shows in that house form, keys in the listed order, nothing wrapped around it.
{"hour": 3, "minute": 44}
